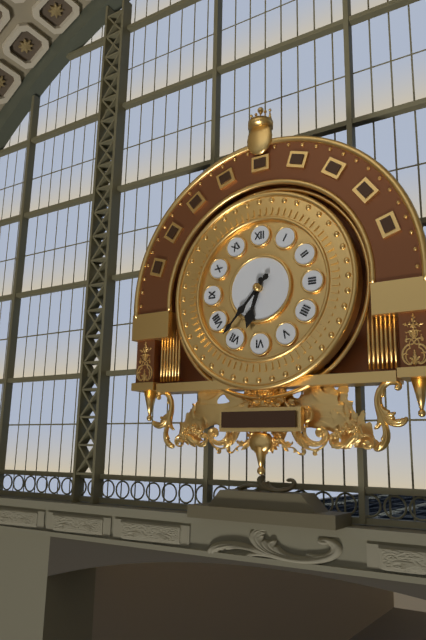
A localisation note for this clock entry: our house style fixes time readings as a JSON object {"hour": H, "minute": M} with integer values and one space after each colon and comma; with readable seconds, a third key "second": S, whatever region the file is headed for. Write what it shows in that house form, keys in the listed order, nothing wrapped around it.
{"hour": 6, "minute": 37}
